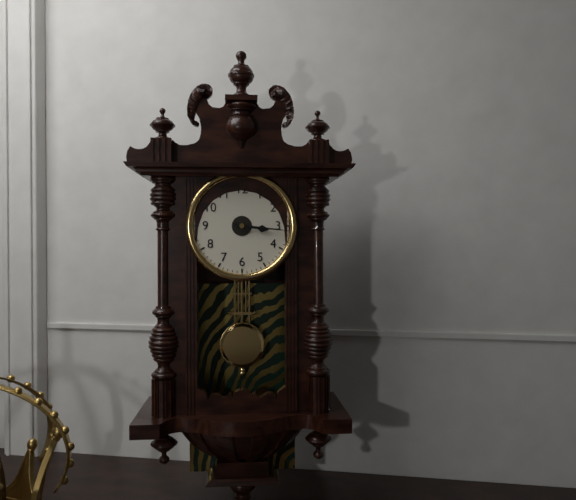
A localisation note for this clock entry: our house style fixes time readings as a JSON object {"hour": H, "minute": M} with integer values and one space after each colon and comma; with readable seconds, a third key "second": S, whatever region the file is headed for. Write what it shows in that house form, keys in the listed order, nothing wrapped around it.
{"hour": 3, "minute": 16}
